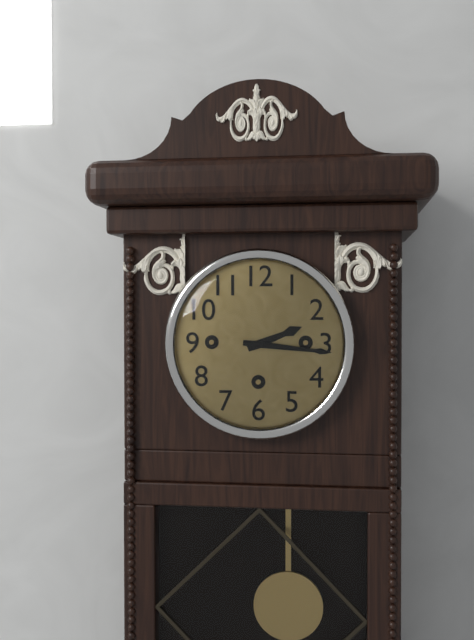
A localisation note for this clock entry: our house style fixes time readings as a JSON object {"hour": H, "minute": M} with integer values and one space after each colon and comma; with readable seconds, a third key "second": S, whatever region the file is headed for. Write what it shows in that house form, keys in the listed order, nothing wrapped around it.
{"hour": 2, "minute": 16}
